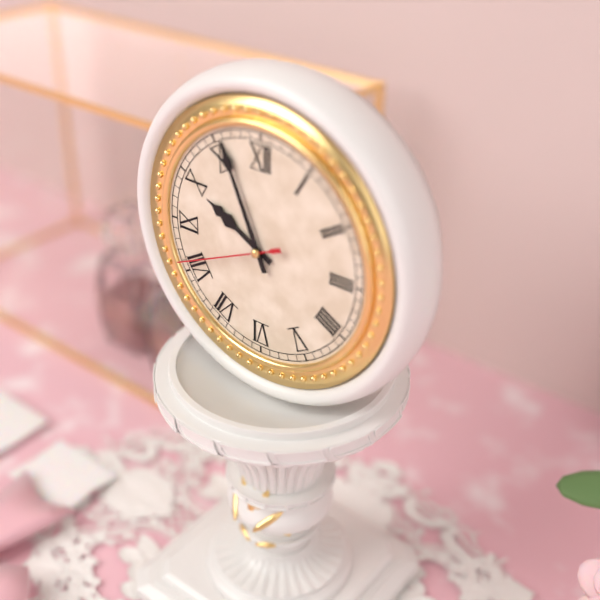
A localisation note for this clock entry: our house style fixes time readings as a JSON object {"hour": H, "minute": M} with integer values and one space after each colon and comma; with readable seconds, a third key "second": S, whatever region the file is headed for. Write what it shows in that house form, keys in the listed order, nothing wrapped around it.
{"hour": 9, "minute": 56, "second": 41}
